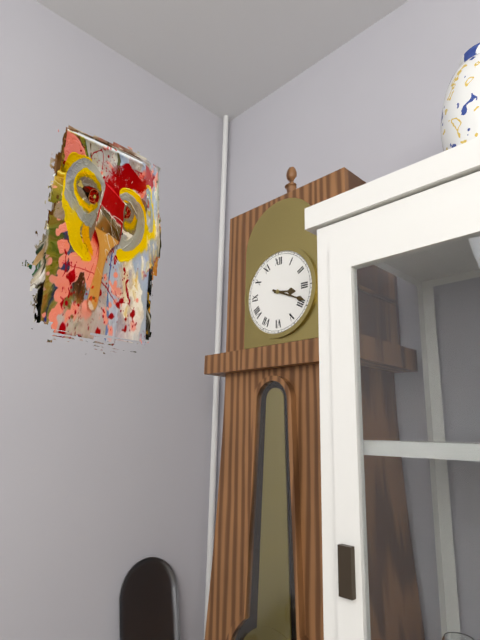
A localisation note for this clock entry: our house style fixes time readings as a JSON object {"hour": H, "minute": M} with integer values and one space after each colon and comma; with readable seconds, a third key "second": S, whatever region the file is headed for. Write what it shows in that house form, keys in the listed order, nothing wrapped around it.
{"hour": 3, "minute": 19}
